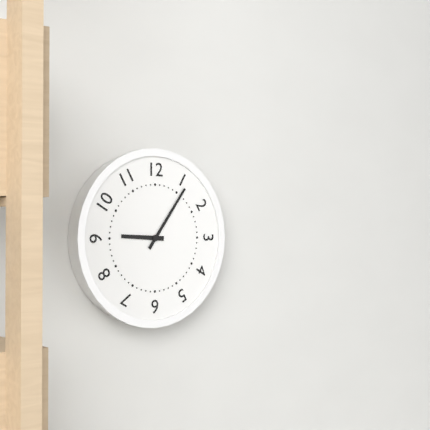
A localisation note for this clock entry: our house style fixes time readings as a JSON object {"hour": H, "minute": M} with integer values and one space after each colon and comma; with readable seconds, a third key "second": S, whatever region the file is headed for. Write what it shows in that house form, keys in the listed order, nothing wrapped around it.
{"hour": 9, "minute": 6}
